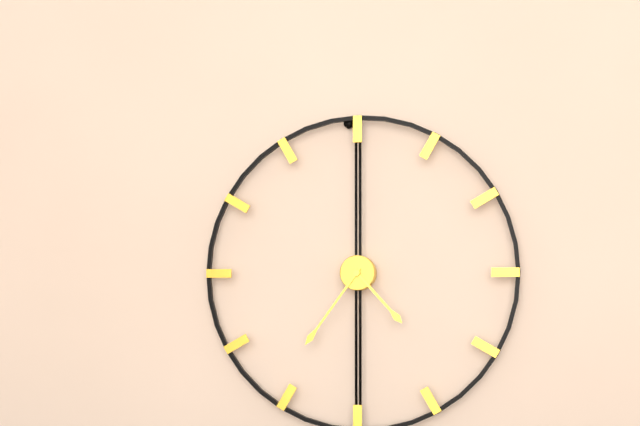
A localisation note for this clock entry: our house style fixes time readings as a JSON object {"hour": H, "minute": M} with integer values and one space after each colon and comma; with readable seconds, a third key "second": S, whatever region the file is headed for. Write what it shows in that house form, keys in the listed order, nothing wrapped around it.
{"hour": 4, "minute": 36}
